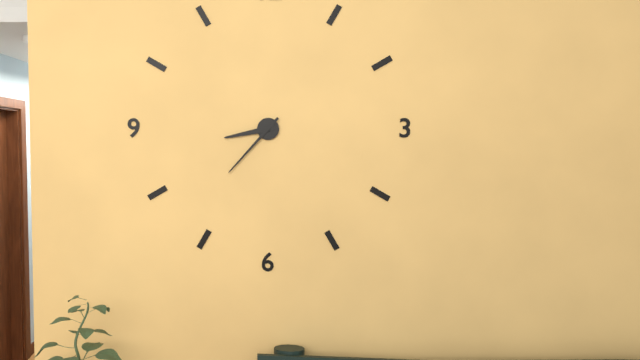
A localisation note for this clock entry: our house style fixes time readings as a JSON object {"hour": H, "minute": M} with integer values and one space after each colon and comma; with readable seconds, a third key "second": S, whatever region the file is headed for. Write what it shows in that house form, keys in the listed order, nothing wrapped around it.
{"hour": 8, "minute": 37}
